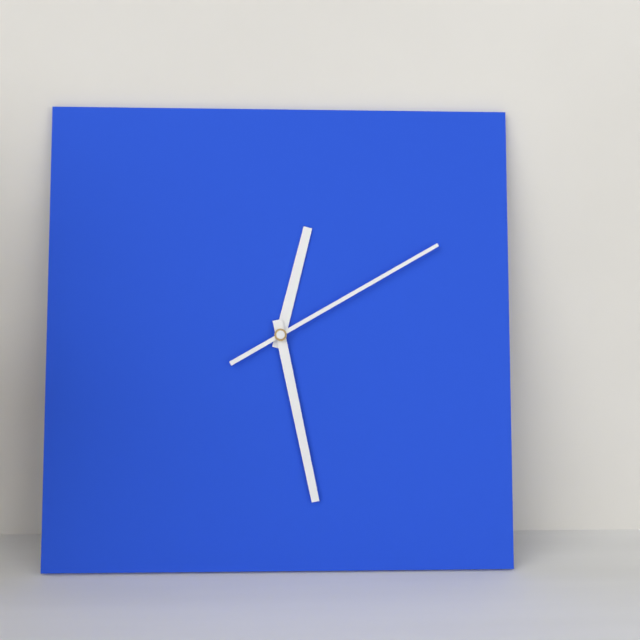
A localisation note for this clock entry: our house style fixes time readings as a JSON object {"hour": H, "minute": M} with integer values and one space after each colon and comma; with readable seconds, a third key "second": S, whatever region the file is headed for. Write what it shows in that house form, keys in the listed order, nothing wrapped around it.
{"hour": 12, "minute": 28, "second": 10}
